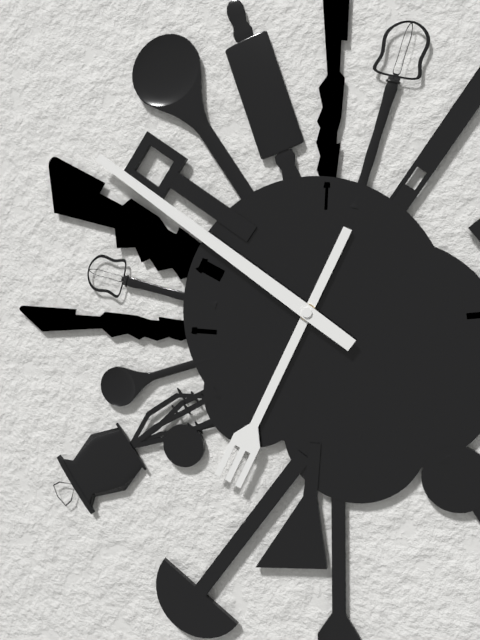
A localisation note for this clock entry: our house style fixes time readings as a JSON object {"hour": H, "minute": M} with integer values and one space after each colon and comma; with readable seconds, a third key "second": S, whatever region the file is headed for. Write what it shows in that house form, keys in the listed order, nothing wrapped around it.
{"hour": 6, "minute": 51}
